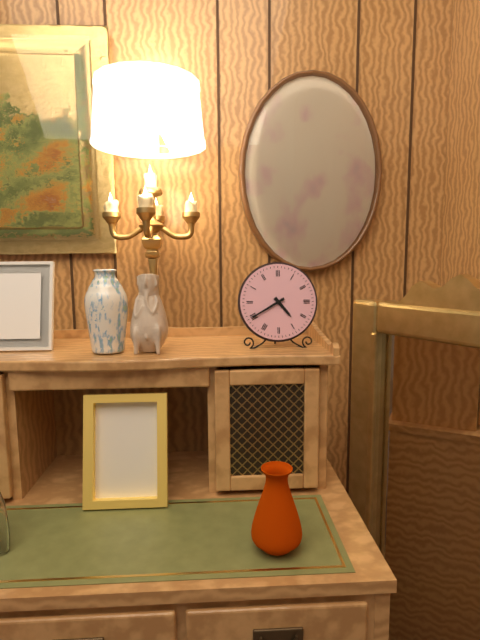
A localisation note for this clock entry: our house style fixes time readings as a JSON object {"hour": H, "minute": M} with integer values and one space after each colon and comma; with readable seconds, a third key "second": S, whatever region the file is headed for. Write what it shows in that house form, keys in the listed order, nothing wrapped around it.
{"hour": 4, "minute": 40}
